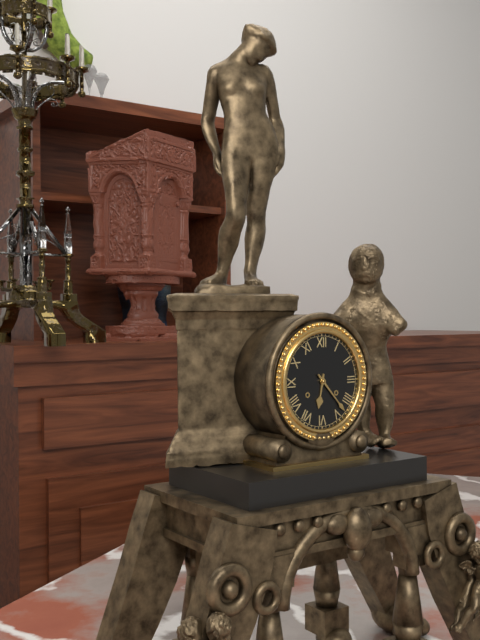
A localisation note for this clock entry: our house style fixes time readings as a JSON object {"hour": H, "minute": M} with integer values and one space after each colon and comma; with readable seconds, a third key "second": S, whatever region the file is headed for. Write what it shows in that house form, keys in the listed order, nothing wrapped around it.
{"hour": 6, "minute": 23}
